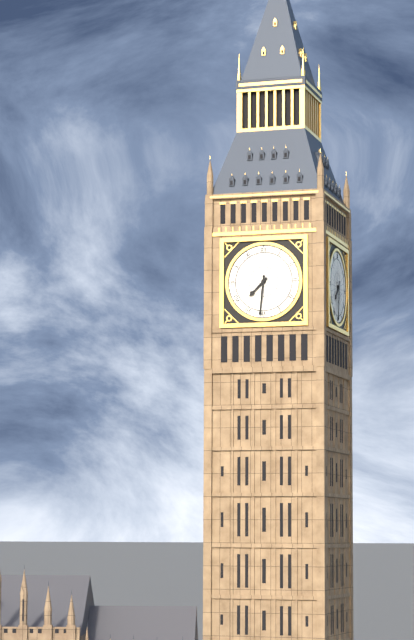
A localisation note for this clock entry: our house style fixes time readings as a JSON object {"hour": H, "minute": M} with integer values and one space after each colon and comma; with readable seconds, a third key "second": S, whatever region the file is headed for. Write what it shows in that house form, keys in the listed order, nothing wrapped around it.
{"hour": 7, "minute": 31}
